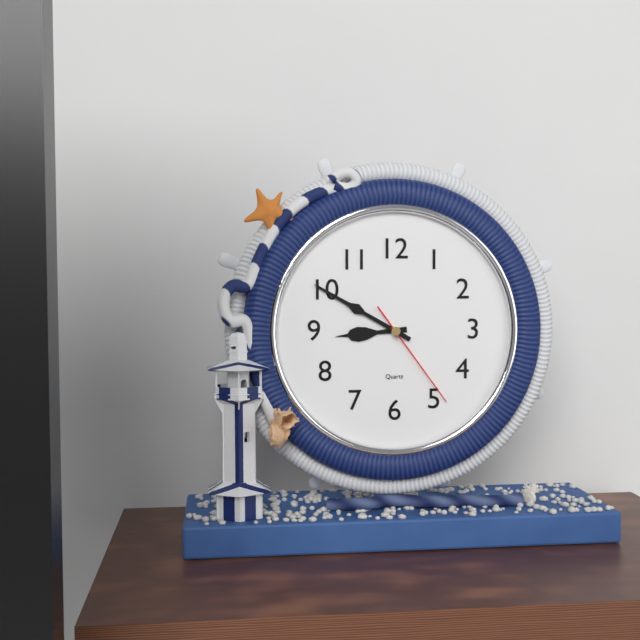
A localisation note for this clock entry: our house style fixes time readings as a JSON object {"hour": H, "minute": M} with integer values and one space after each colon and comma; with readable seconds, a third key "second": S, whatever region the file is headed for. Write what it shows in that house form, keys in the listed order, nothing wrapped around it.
{"hour": 8, "minute": 50, "second": 24}
